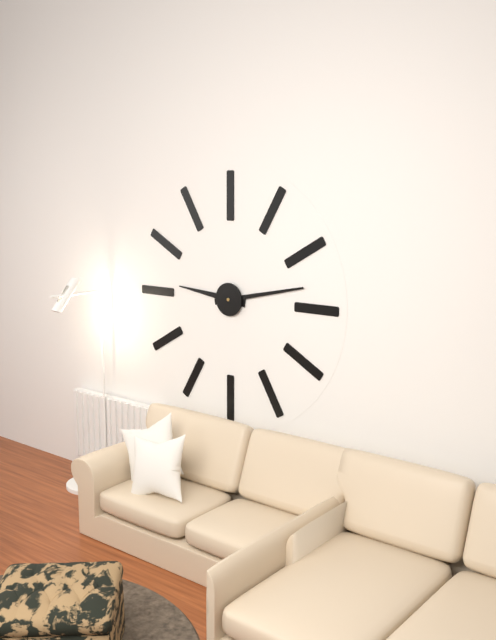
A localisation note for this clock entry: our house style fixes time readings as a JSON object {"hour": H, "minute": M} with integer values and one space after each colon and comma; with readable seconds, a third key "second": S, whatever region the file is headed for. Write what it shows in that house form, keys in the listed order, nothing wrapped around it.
{"hour": 9, "minute": 13}
